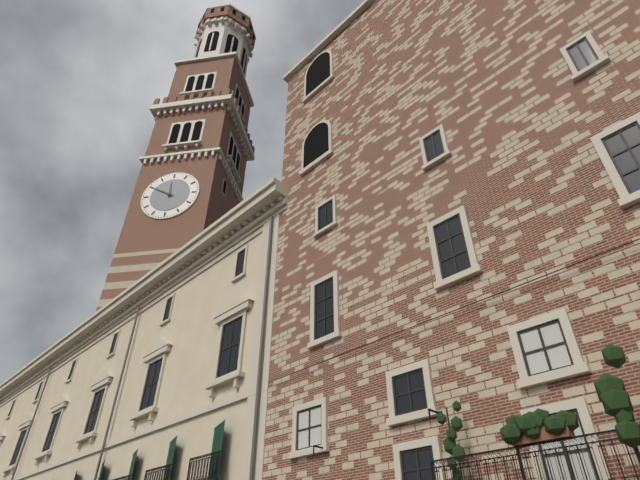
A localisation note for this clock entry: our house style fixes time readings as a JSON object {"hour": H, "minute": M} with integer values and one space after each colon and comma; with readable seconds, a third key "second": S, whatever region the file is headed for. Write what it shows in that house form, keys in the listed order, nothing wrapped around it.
{"hour": 11, "minute": 50}
